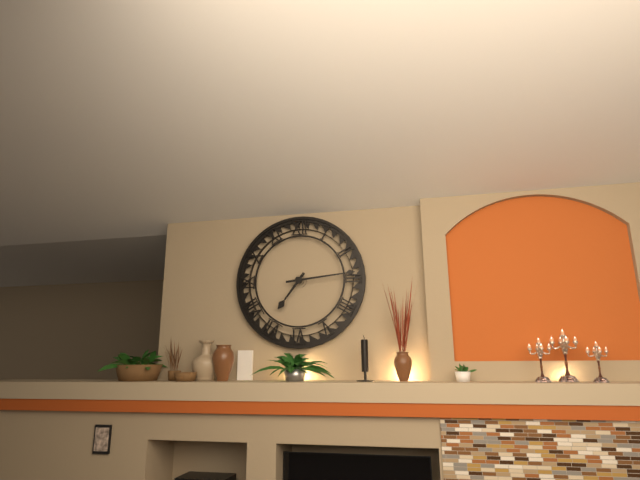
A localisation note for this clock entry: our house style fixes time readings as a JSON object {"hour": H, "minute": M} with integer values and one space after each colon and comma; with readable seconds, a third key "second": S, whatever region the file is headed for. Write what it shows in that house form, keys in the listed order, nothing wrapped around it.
{"hour": 7, "minute": 14}
